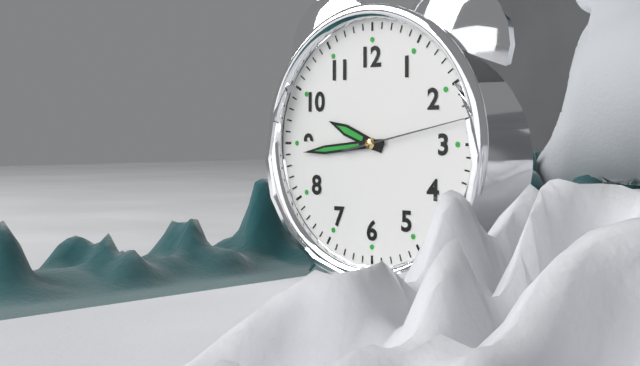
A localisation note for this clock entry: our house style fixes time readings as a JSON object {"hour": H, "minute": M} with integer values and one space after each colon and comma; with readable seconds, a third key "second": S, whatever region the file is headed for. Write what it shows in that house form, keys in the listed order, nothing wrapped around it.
{"hour": 9, "minute": 44, "second": 13}
